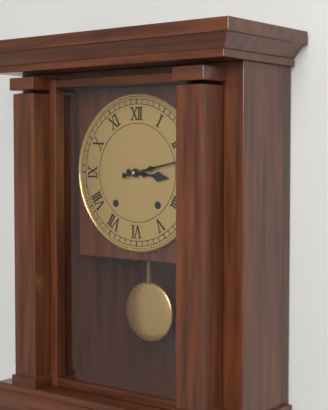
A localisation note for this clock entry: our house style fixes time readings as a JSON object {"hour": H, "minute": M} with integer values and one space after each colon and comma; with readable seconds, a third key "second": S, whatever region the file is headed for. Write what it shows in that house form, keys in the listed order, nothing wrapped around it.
{"hour": 3, "minute": 13}
